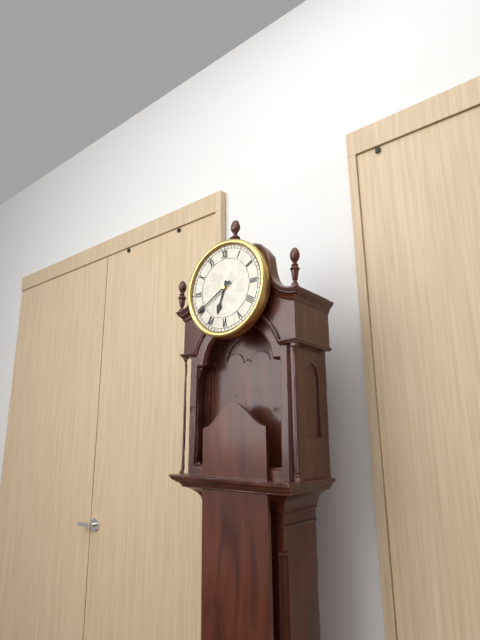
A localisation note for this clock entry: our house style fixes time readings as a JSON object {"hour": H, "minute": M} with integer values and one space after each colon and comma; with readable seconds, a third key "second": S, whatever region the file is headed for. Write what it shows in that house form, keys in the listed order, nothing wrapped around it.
{"hour": 6, "minute": 40}
